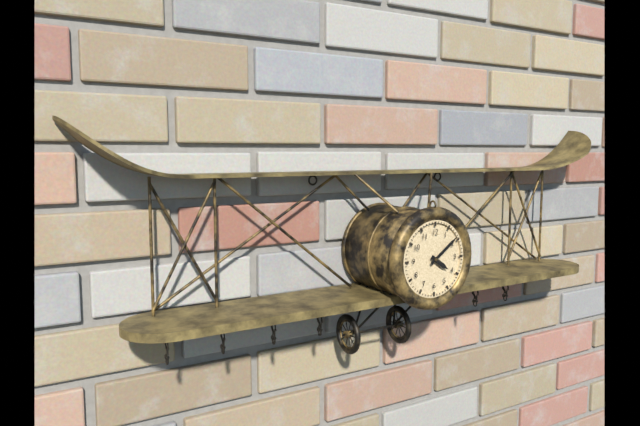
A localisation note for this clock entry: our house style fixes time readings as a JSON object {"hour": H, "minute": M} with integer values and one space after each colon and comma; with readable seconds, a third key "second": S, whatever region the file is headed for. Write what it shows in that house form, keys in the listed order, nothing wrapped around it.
{"hour": 4, "minute": 9}
